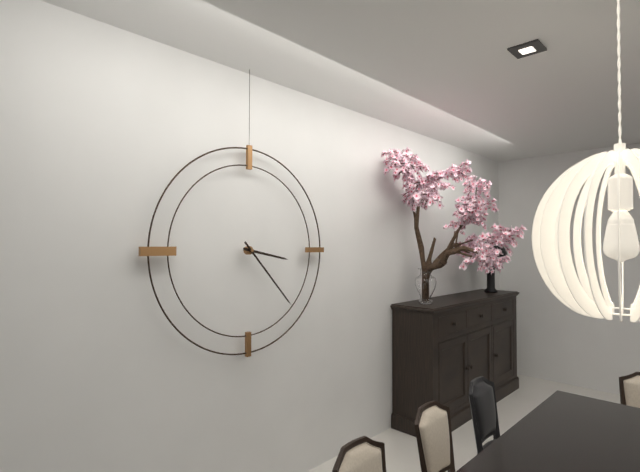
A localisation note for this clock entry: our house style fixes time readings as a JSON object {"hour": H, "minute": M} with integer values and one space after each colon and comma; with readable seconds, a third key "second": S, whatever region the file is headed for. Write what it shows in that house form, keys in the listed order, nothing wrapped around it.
{"hour": 3, "minute": 23}
